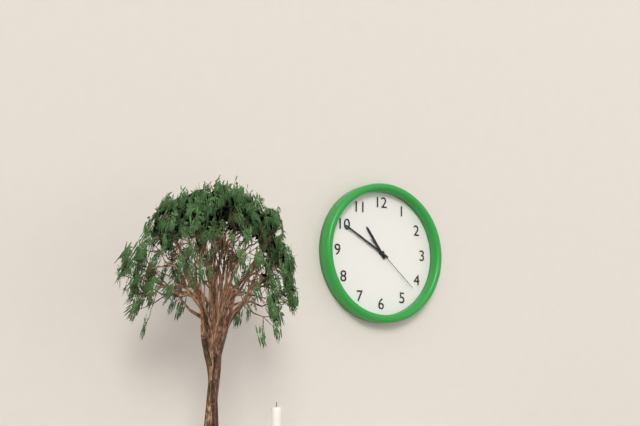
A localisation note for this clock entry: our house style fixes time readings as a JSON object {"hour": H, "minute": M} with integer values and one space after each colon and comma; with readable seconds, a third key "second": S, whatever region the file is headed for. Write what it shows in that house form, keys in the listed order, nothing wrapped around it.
{"hour": 10, "minute": 50, "second": 22}
